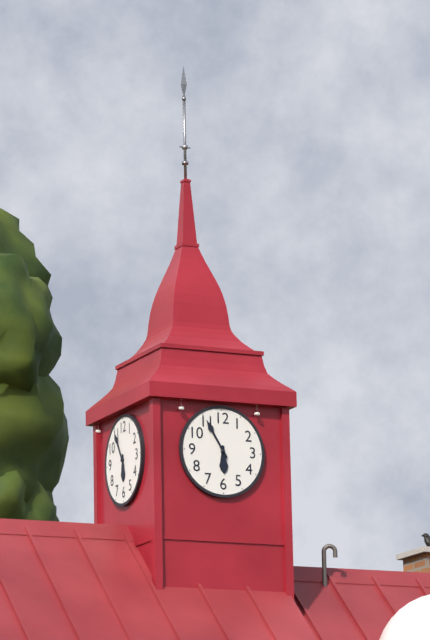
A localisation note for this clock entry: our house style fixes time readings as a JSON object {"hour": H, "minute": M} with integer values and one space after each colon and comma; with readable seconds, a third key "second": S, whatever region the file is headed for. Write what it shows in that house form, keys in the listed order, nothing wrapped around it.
{"hour": 5, "minute": 55}
